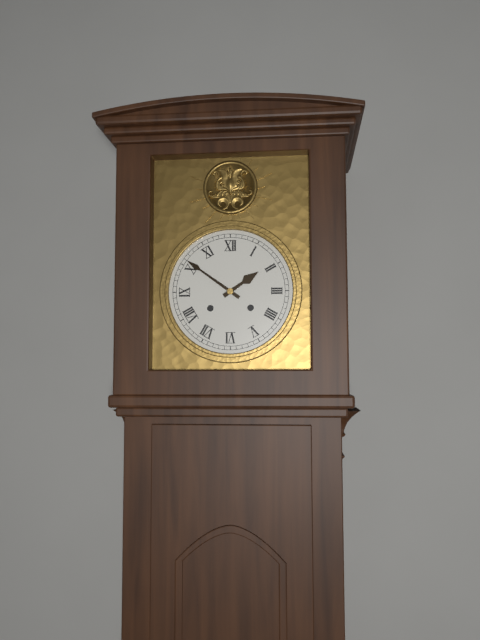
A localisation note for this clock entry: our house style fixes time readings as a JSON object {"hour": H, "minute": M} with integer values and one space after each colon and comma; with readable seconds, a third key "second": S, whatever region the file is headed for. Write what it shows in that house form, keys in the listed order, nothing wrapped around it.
{"hour": 1, "minute": 51}
